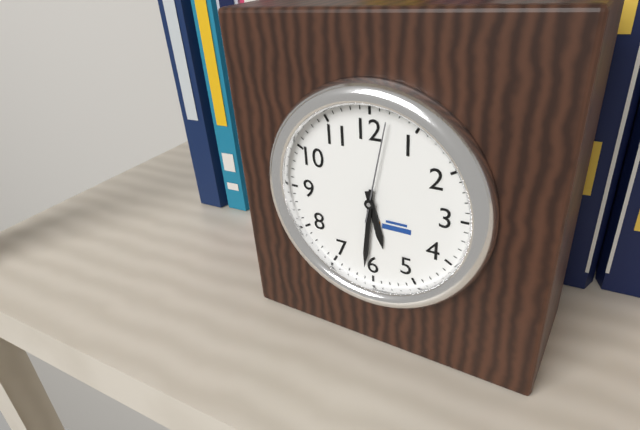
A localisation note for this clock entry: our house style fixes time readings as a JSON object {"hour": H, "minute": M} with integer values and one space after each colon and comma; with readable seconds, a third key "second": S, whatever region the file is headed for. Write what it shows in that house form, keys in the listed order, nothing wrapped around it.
{"hour": 5, "minute": 31, "second": 2}
